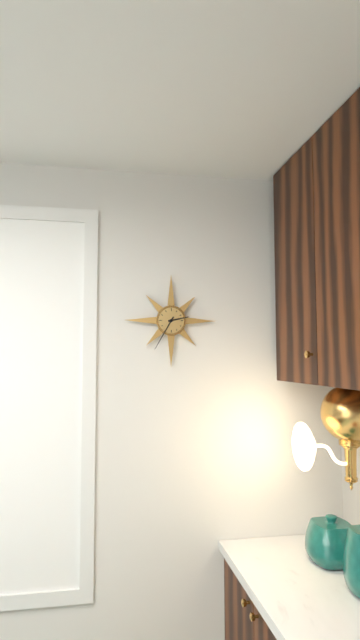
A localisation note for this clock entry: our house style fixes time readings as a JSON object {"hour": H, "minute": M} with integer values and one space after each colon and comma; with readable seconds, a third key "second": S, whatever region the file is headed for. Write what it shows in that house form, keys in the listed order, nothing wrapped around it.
{"hour": 2, "minute": 35}
